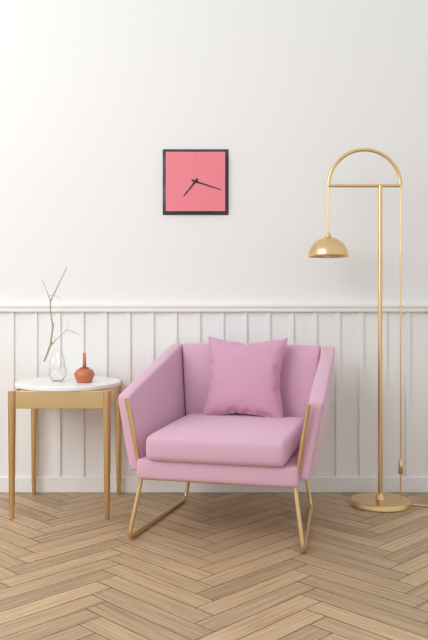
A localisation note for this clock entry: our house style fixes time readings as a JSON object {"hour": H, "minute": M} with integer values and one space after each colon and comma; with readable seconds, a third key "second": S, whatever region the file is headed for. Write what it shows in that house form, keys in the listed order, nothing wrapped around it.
{"hour": 7, "minute": 18}
